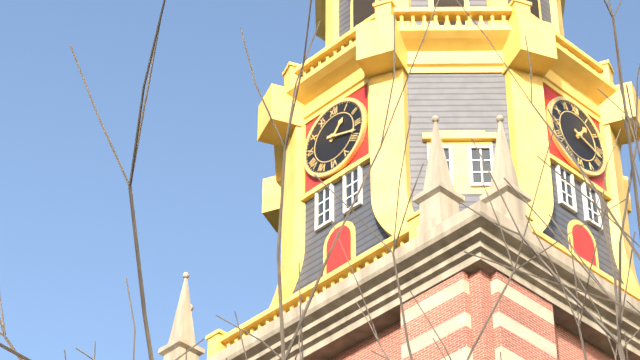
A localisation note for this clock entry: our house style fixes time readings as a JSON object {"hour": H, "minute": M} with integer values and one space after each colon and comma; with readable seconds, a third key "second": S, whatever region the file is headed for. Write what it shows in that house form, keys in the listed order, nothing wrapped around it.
{"hour": 1, "minute": 18}
